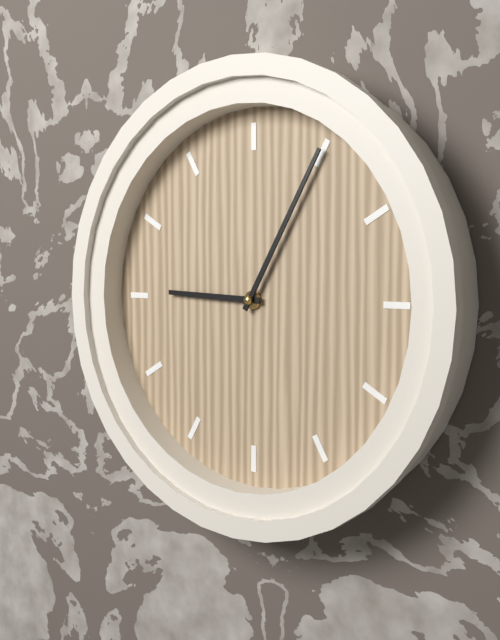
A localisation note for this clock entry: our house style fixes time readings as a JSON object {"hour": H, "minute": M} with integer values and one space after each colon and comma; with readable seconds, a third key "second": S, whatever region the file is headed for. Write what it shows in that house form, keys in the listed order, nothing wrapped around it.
{"hour": 9, "minute": 5}
